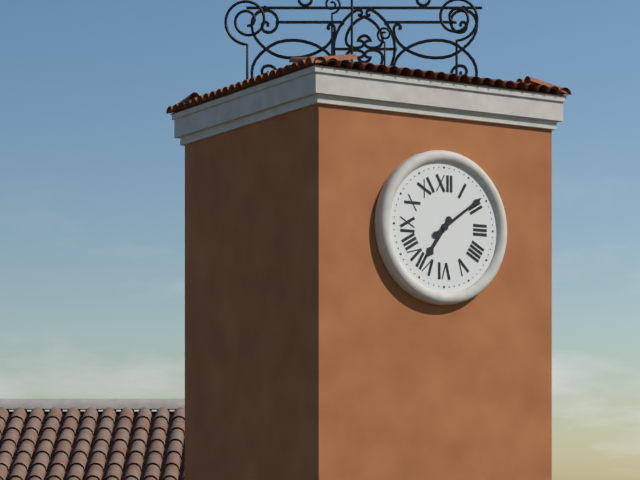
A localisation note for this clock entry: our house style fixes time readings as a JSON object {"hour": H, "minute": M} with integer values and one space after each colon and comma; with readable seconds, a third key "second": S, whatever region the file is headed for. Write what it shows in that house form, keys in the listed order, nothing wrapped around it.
{"hour": 7, "minute": 9}
